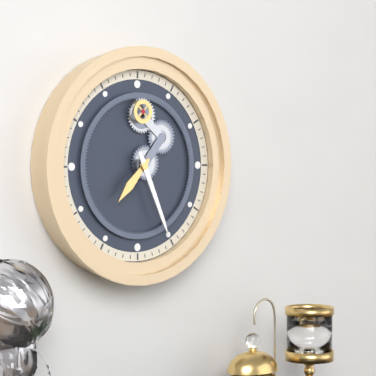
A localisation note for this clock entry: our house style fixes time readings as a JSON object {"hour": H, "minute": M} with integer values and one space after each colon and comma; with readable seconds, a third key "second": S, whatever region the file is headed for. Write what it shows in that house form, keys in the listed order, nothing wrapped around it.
{"hour": 7, "minute": 26}
